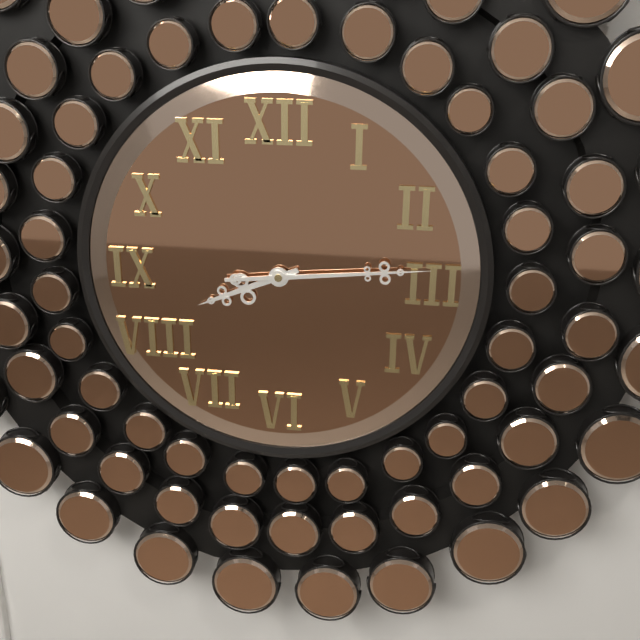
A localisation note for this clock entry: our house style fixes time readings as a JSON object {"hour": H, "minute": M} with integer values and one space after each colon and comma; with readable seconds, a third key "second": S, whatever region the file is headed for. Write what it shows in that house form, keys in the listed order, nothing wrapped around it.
{"hour": 8, "minute": 14}
